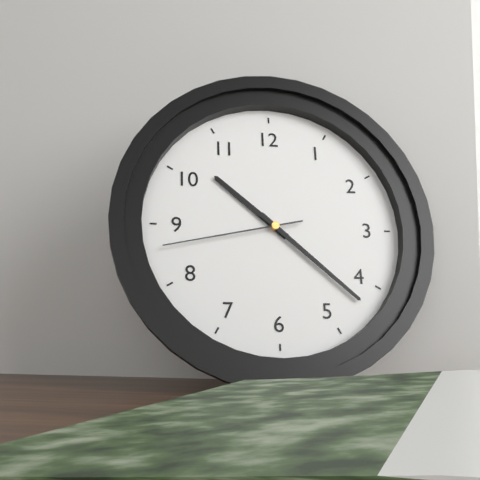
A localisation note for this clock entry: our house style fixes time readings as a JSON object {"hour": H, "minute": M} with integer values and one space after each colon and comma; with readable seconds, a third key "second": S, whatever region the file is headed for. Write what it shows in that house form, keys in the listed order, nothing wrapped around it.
{"hour": 10, "minute": 22, "second": 43}
